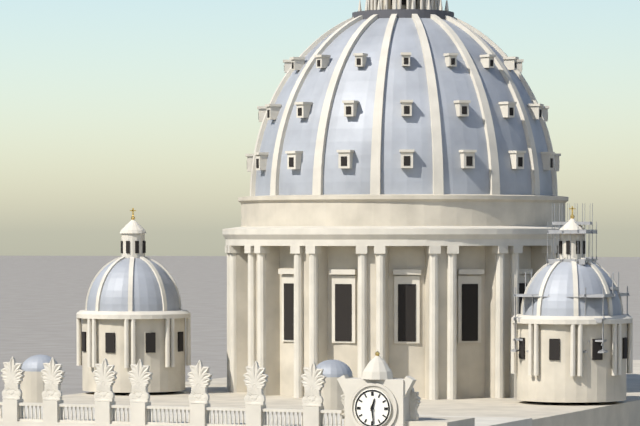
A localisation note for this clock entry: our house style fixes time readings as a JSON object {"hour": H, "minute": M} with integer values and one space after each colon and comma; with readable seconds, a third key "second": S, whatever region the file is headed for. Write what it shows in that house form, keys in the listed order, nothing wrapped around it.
{"hour": 12, "minute": 29}
